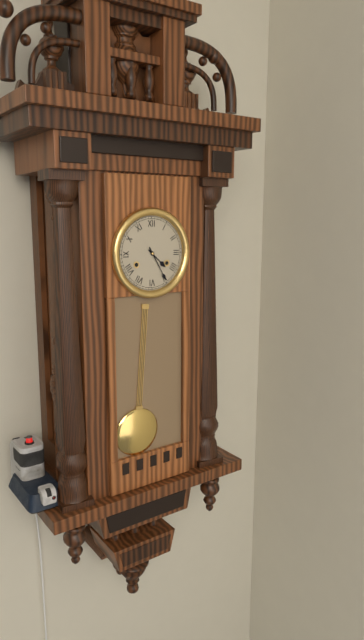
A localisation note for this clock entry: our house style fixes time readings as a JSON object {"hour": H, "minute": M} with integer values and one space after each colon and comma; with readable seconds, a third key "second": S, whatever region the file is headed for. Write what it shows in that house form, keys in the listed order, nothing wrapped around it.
{"hour": 4, "minute": 25}
